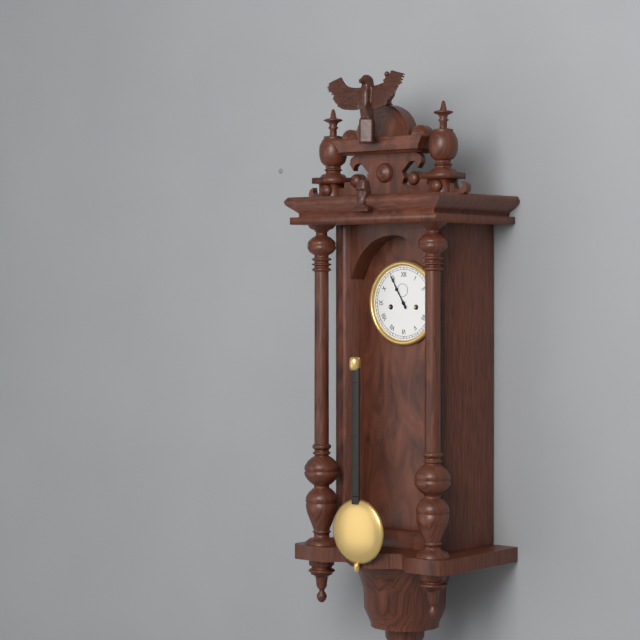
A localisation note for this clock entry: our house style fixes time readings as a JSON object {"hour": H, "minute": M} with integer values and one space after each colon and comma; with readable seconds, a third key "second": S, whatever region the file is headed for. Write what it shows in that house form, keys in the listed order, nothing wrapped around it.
{"hour": 10, "minute": 55}
